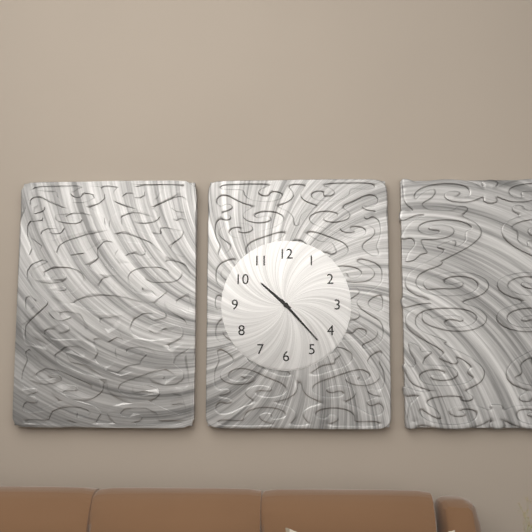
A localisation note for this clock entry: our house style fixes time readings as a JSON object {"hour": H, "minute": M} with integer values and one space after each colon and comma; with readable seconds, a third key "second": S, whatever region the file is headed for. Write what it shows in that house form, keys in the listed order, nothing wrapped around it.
{"hour": 10, "minute": 23}
